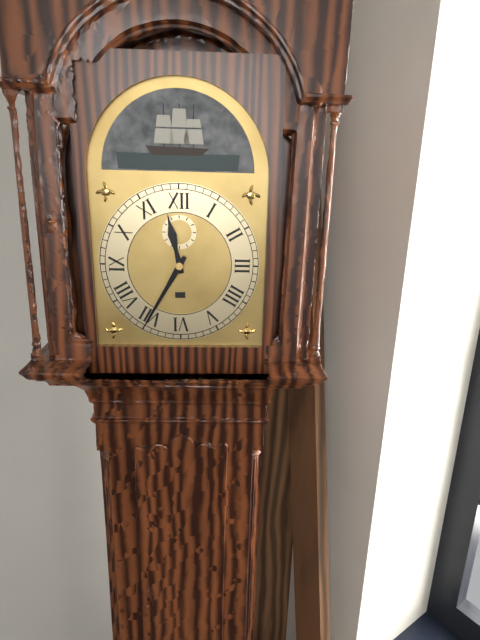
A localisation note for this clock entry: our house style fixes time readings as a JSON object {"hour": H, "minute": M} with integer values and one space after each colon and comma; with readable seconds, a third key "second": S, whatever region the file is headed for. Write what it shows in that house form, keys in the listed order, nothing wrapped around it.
{"hour": 11, "minute": 35}
